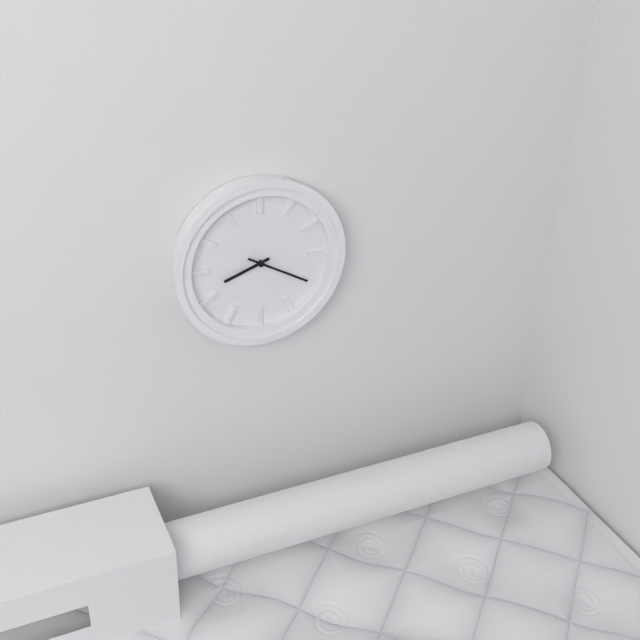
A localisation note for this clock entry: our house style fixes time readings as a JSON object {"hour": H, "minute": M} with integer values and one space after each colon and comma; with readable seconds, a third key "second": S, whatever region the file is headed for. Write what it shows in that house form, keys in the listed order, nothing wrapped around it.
{"hour": 8, "minute": 20}
